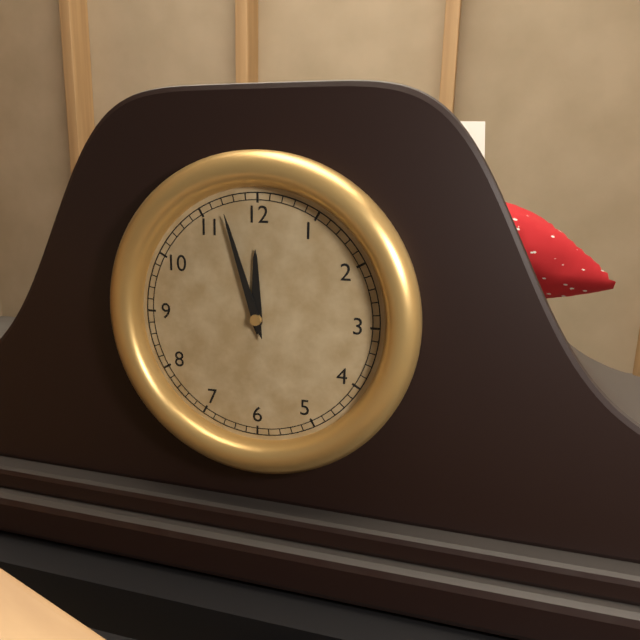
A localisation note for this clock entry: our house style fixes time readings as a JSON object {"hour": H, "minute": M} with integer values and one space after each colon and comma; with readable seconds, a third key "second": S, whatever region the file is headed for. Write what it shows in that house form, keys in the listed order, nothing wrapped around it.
{"hour": 11, "minute": 57}
